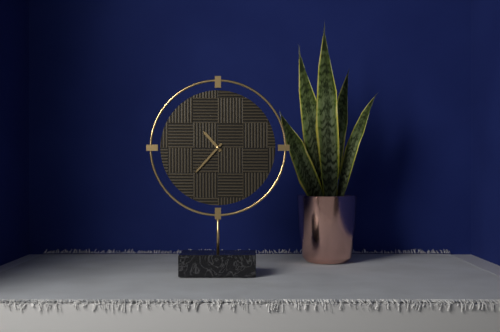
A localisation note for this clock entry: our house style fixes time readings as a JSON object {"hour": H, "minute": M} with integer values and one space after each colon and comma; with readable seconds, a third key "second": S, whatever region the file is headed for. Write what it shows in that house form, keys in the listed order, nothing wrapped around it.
{"hour": 10, "minute": 37}
